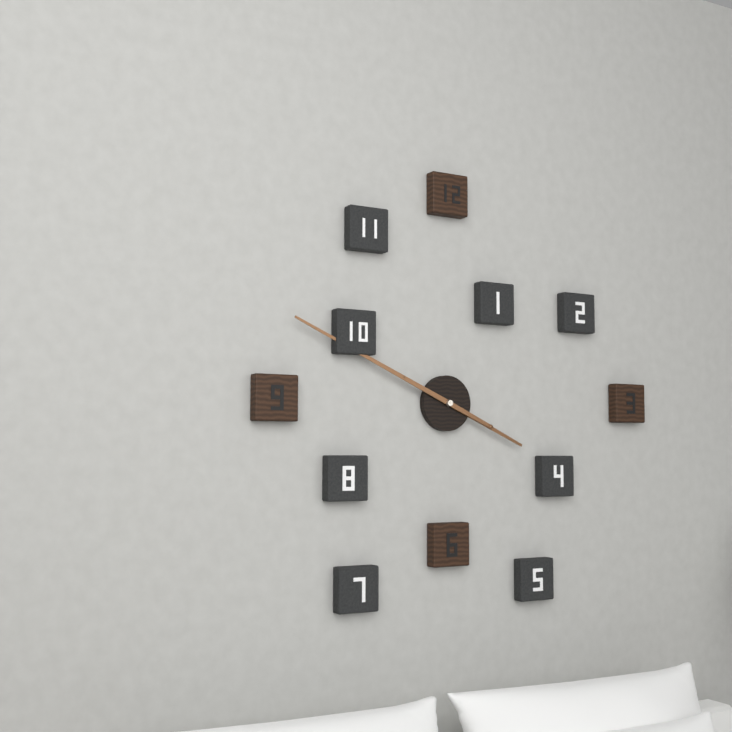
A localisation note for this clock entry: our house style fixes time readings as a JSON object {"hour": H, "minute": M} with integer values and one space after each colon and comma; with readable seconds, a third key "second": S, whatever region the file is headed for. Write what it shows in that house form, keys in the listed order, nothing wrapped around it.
{"hour": 3, "minute": 49}
